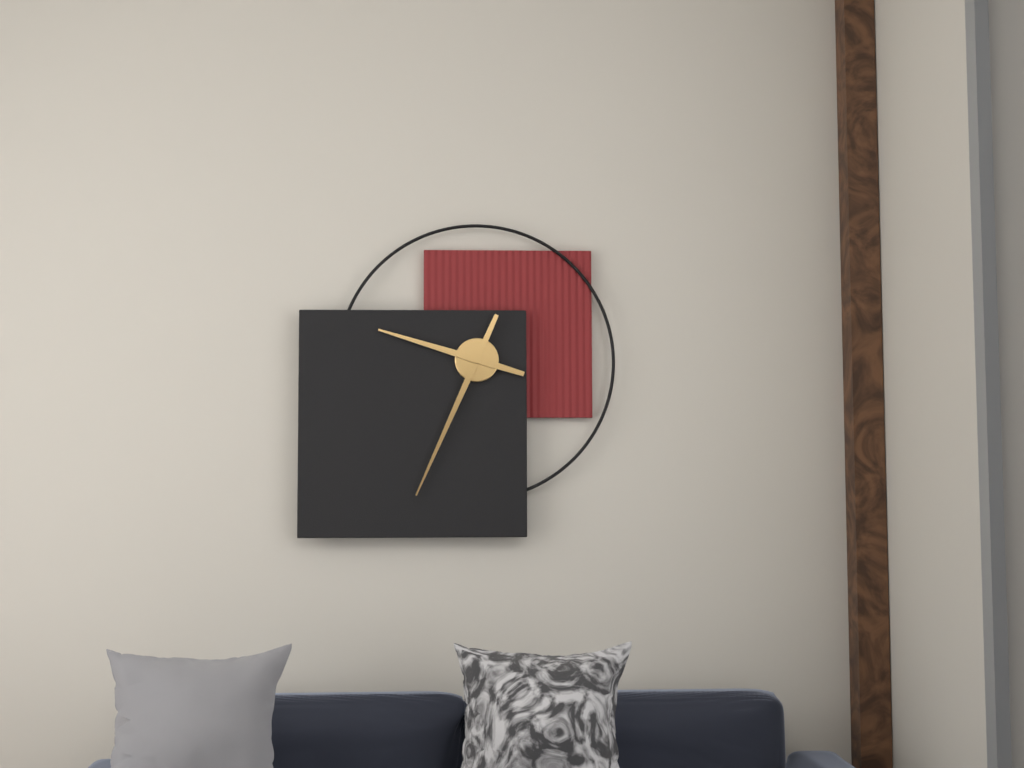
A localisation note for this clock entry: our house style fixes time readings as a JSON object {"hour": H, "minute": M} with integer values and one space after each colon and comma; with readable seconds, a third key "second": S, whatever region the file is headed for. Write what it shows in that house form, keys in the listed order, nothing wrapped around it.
{"hour": 9, "minute": 34}
